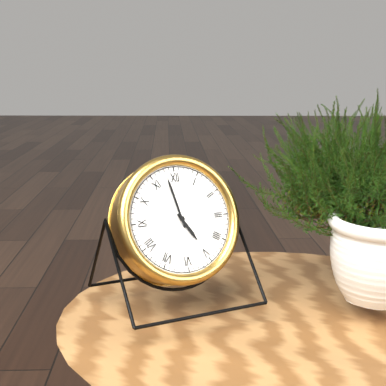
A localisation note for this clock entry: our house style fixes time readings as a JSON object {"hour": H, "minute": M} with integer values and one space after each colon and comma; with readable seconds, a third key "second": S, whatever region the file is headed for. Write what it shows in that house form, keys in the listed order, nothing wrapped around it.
{"hour": 4, "minute": 58}
